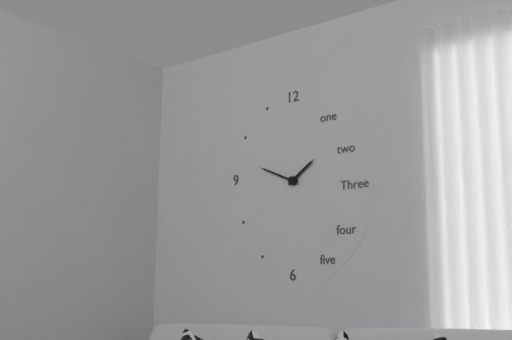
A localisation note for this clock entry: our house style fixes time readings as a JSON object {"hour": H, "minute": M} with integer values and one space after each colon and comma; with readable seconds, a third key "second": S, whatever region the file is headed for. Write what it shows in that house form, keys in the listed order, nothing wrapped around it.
{"hour": 1, "minute": 49}
